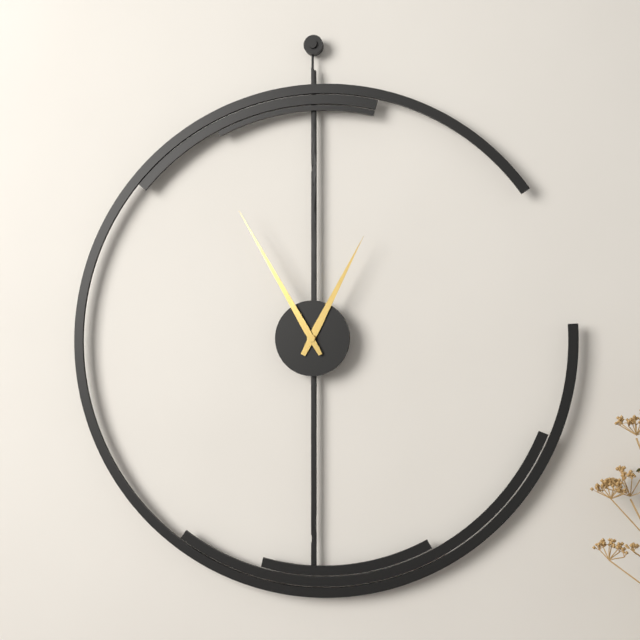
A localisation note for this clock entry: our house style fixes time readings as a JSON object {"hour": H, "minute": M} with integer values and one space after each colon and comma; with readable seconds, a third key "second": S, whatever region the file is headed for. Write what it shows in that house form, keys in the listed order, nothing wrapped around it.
{"hour": 12, "minute": 55}
